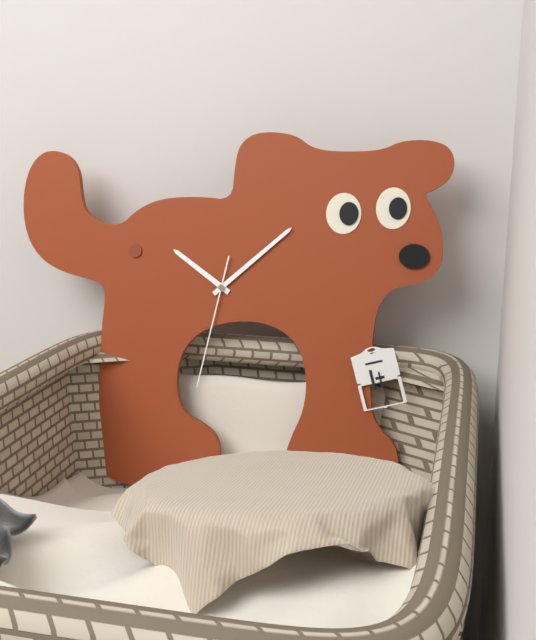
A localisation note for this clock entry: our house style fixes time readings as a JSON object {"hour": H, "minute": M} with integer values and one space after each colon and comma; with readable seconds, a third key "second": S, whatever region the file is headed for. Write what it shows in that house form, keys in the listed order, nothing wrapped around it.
{"hour": 10, "minute": 8, "second": 32}
